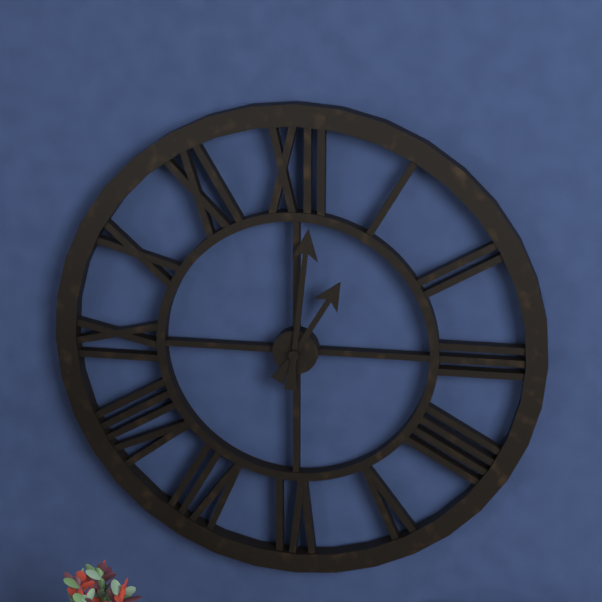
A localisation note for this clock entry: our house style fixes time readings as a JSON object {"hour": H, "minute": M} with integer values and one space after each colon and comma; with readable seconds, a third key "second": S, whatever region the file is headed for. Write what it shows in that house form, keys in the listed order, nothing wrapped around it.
{"hour": 1, "minute": 1}
